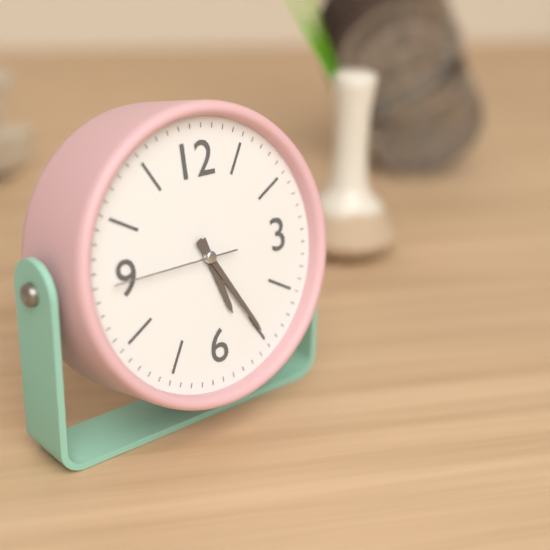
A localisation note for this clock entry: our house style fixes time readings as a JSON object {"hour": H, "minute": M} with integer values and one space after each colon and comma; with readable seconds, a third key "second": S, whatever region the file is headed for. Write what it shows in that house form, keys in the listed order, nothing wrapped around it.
{"hour": 5, "minute": 25, "second": 45}
